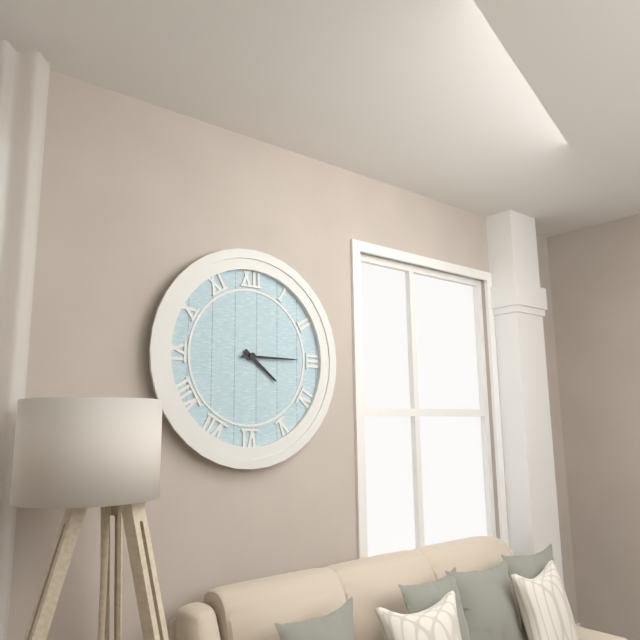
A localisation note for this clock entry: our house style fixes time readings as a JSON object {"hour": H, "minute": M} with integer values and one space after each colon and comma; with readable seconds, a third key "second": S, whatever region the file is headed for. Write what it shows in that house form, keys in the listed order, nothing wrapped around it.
{"hour": 4, "minute": 15}
